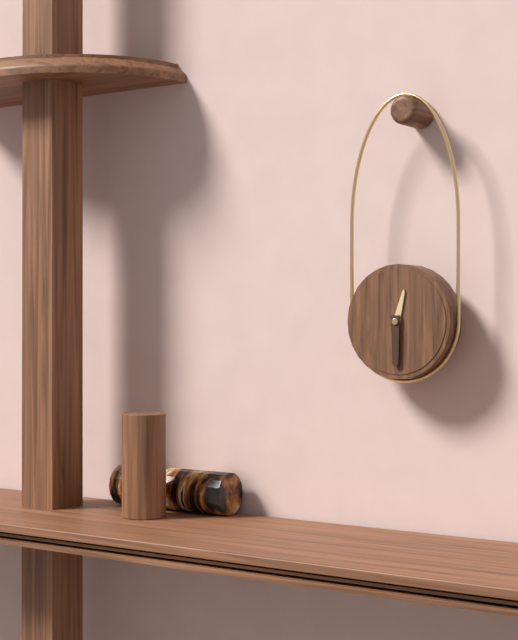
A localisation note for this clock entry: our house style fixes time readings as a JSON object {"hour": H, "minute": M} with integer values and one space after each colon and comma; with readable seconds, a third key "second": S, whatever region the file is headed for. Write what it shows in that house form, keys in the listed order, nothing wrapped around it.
{"hour": 12, "minute": 30}
